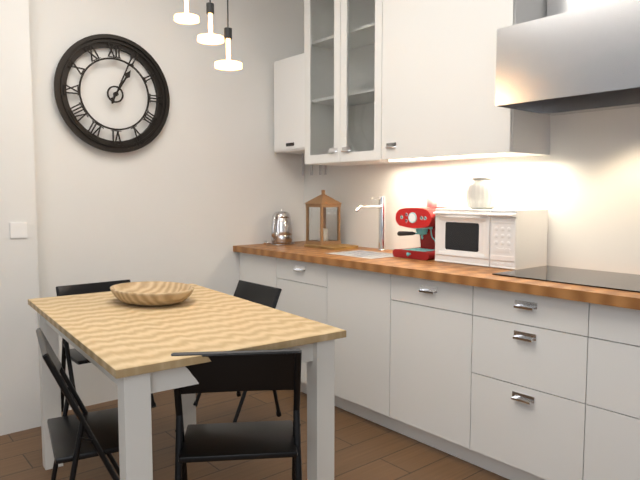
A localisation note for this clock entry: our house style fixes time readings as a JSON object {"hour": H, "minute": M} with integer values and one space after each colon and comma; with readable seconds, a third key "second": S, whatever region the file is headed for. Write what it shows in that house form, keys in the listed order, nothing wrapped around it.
{"hour": 1, "minute": 4}
